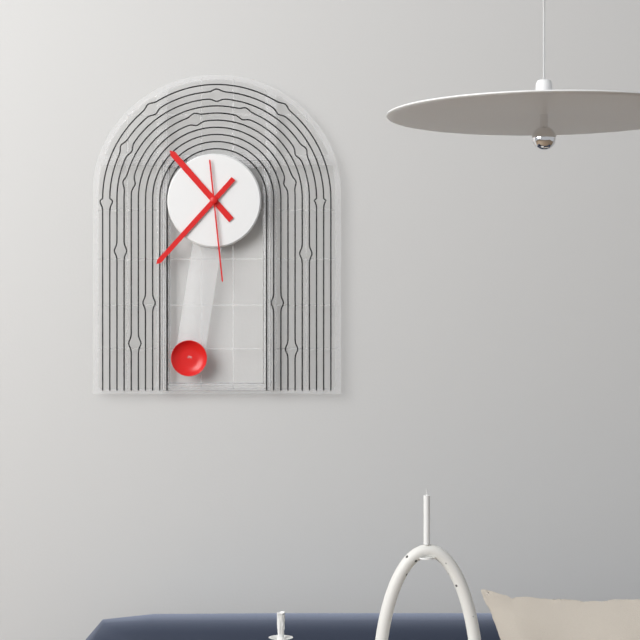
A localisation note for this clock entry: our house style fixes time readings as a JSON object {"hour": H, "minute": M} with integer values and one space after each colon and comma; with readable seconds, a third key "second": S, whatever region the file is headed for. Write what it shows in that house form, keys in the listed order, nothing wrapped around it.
{"hour": 10, "minute": 37, "second": 29}
